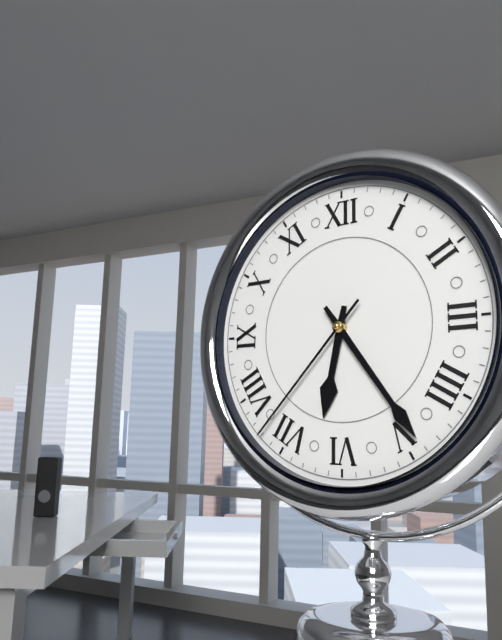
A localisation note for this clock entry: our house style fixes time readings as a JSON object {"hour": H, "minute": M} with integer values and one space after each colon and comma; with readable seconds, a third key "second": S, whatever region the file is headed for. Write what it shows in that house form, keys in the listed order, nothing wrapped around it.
{"hour": 6, "minute": 24, "second": 37}
